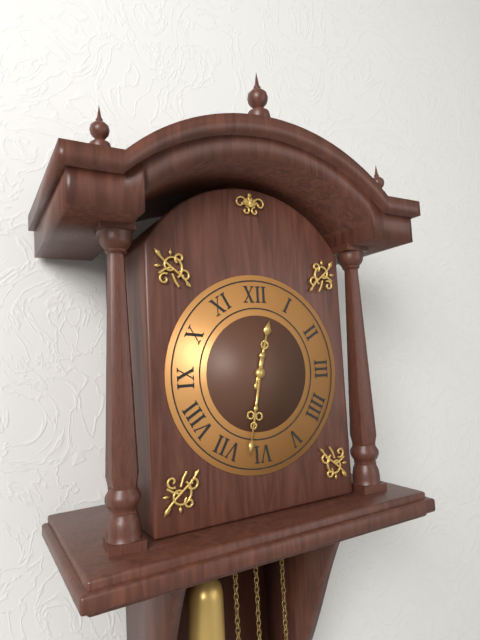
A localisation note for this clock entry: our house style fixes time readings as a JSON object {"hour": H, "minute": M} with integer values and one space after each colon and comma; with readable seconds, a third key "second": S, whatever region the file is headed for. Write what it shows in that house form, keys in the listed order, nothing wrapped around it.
{"hour": 12, "minute": 32}
